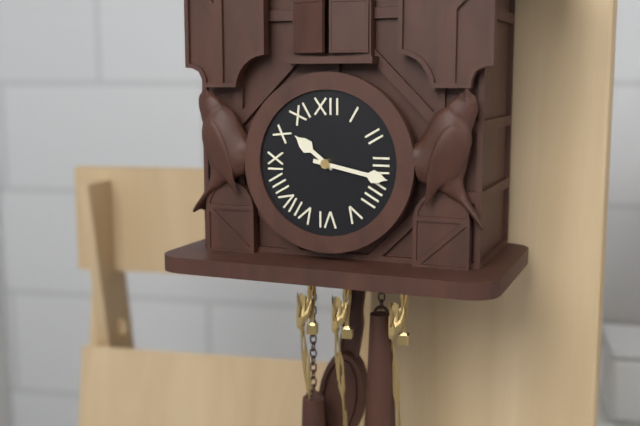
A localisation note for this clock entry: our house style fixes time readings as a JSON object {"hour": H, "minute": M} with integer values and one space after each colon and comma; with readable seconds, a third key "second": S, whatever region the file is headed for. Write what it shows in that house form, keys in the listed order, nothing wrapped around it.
{"hour": 10, "minute": 17}
